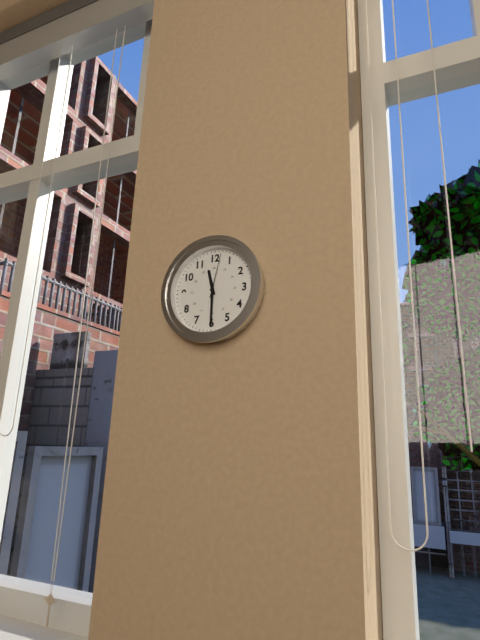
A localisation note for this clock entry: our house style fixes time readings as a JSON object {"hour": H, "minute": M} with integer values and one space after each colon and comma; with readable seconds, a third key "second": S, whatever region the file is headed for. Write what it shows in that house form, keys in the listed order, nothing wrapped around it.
{"hour": 11, "minute": 30}
